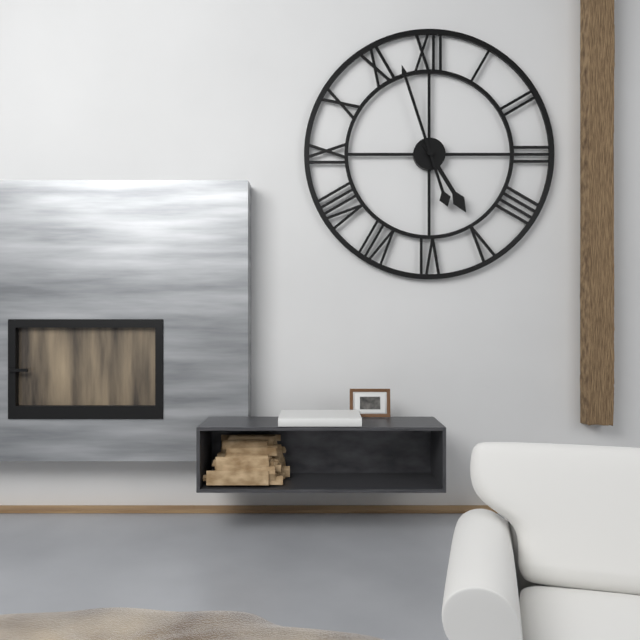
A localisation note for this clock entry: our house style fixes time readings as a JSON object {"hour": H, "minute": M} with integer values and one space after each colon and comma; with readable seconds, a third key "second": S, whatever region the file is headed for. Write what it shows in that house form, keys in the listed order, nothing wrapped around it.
{"hour": 4, "minute": 57}
